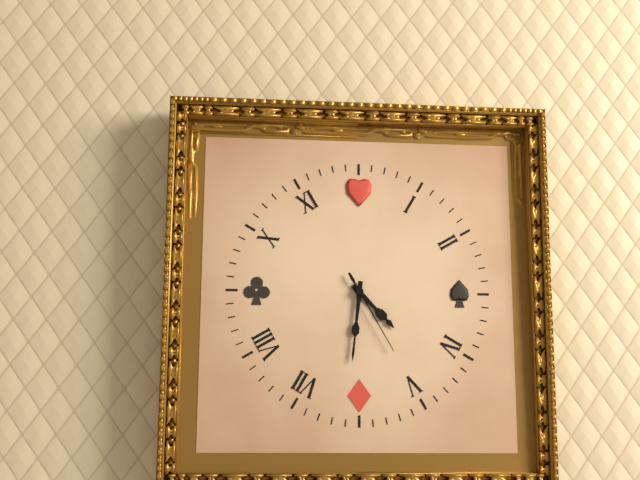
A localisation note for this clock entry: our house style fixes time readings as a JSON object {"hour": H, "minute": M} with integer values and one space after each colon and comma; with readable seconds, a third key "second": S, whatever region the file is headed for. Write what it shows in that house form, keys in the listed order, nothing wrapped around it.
{"hour": 4, "minute": 31, "second": 25}
